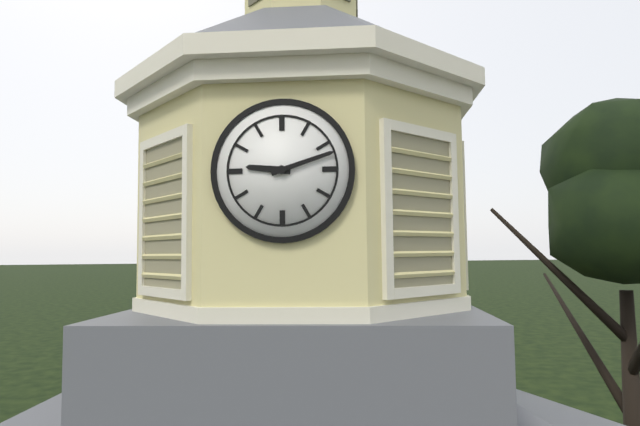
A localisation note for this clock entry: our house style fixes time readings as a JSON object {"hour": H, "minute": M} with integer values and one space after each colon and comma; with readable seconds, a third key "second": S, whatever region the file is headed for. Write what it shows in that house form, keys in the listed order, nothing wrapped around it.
{"hour": 9, "minute": 12}
